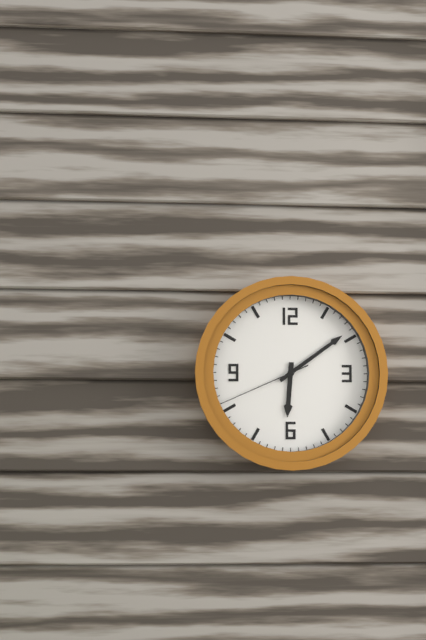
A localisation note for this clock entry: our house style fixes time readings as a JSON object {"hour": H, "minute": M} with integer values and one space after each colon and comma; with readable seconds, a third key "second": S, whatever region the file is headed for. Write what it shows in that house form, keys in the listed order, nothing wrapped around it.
{"hour": 6, "minute": 9, "second": 41}
